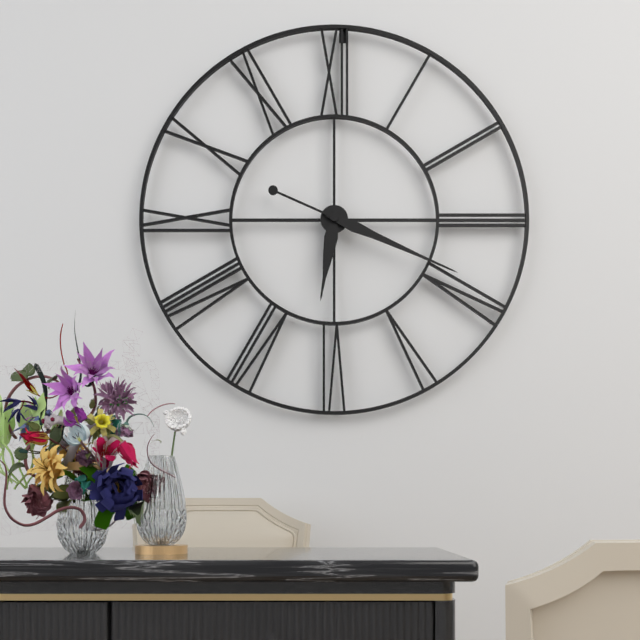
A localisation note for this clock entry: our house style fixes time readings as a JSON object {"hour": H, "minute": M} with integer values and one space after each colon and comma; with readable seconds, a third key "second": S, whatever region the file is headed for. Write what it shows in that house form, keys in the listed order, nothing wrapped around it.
{"hour": 6, "minute": 19}
